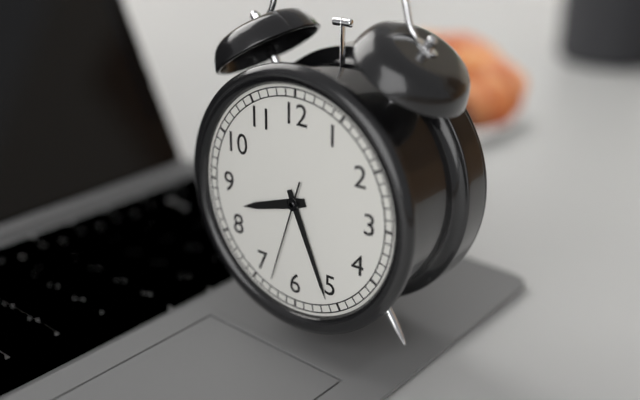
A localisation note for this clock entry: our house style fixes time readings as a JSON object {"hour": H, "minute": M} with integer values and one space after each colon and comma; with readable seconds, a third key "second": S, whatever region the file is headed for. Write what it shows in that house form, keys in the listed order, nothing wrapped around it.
{"hour": 8, "minute": 26, "second": 33}
